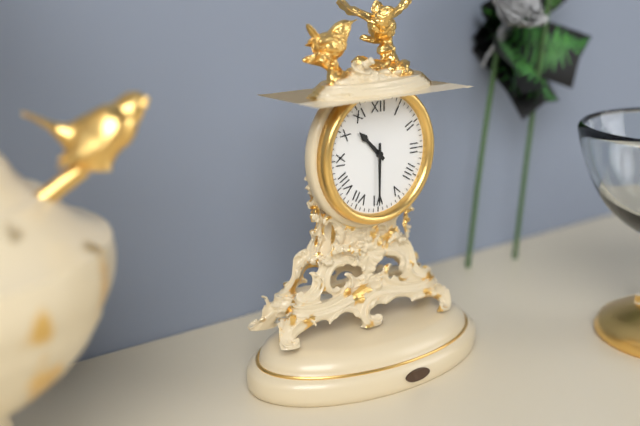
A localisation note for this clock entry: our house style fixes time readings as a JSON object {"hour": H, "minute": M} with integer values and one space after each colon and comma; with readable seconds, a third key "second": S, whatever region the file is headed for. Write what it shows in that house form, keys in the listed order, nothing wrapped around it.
{"hour": 10, "minute": 30}
